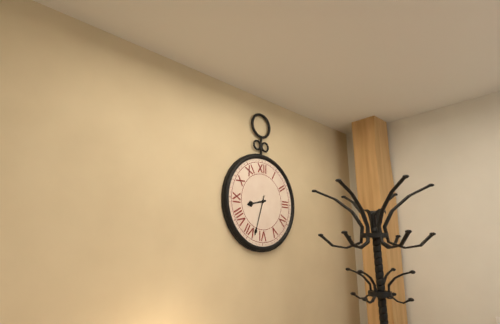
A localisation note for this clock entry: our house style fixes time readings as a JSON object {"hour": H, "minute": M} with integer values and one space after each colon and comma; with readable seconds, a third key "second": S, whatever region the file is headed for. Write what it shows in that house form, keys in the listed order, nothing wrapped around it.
{"hour": 8, "minute": 33}
